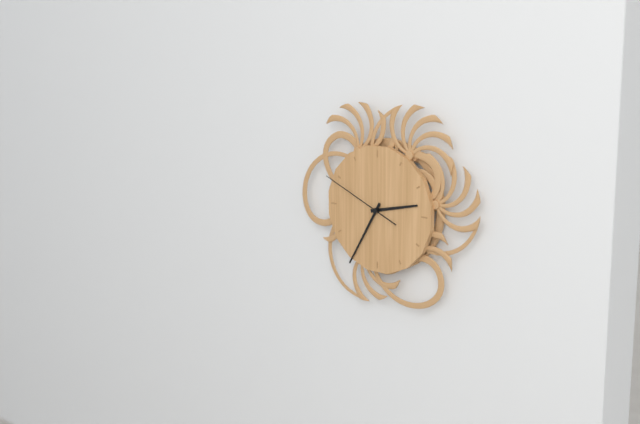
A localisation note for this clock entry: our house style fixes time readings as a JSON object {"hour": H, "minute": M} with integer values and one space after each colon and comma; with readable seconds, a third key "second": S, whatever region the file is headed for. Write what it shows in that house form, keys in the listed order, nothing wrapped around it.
{"hour": 2, "minute": 35, "second": 49}
